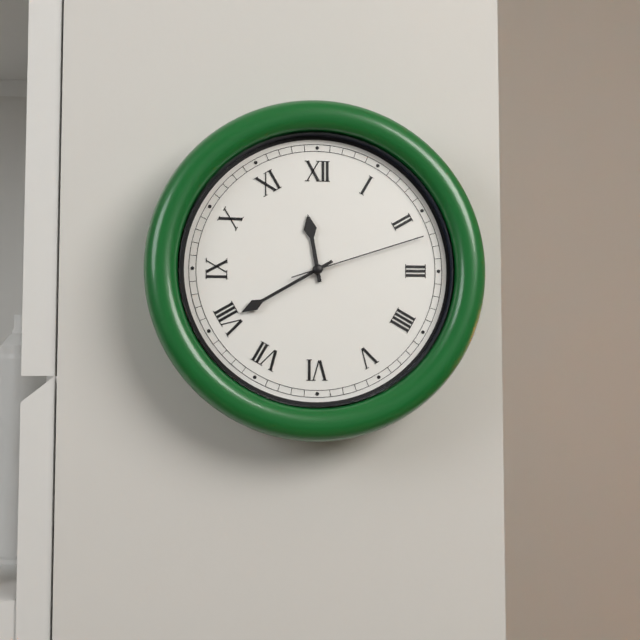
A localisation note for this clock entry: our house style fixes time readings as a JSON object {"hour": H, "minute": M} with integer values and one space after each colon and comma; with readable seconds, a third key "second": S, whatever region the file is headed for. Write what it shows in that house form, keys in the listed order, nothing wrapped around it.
{"hour": 11, "minute": 40, "second": 12}
